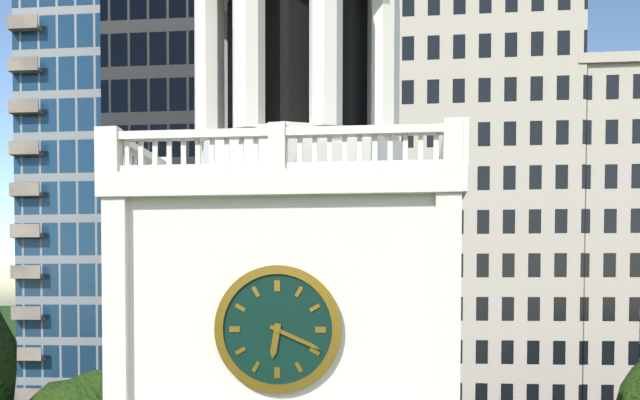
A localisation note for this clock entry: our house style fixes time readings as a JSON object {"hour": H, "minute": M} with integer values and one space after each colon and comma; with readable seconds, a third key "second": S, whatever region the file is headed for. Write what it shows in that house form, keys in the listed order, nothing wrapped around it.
{"hour": 6, "minute": 19}
